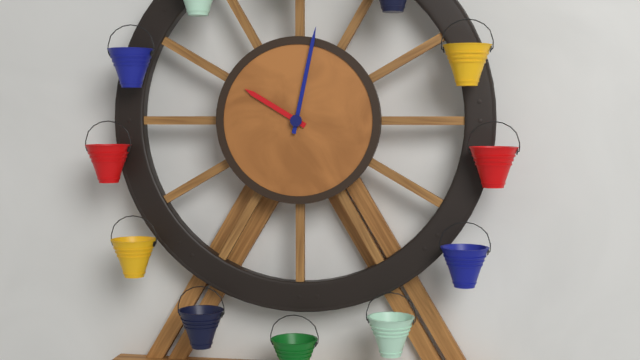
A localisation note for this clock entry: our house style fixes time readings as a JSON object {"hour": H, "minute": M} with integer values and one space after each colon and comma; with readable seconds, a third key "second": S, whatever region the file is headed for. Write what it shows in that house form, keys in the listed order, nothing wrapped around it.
{"hour": 10, "minute": 2}
